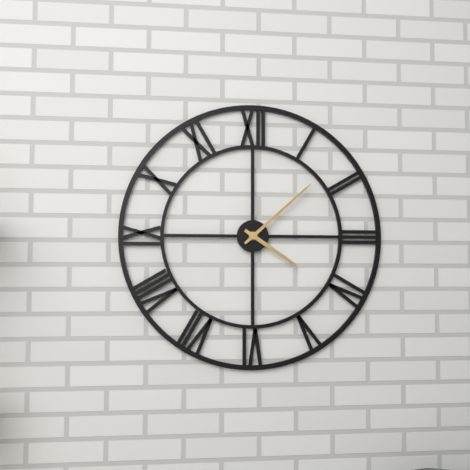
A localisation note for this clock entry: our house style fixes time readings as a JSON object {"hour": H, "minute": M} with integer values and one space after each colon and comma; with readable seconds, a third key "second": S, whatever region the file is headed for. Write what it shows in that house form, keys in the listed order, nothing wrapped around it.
{"hour": 4, "minute": 8}
